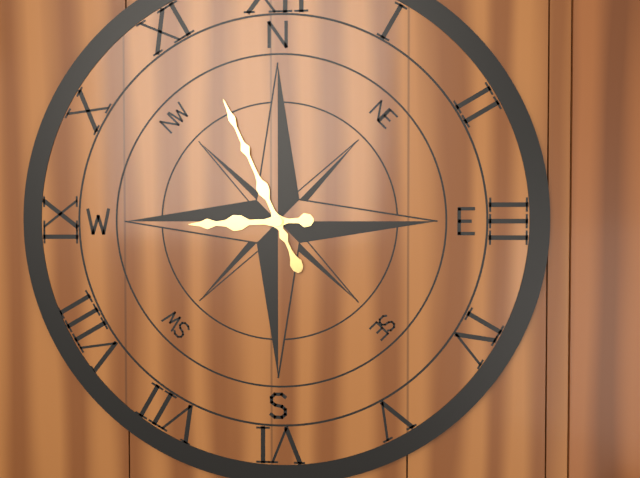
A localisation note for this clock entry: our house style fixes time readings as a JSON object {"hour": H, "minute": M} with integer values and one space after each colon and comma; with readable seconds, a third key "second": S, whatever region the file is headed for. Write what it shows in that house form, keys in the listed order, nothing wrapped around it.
{"hour": 8, "minute": 56}
